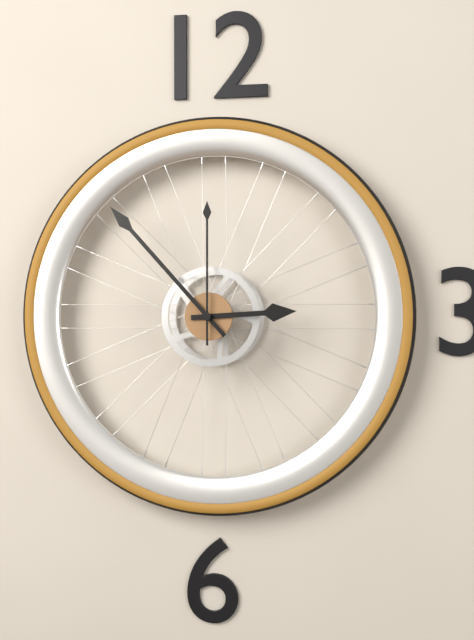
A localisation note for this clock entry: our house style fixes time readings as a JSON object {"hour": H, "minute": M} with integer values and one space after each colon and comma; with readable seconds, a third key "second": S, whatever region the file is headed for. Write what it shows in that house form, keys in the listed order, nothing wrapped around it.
{"hour": 2, "minute": 53, "second": 0}
